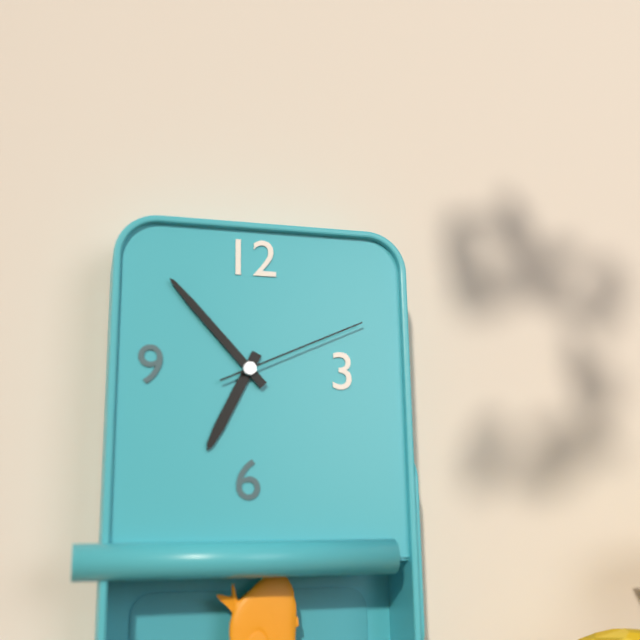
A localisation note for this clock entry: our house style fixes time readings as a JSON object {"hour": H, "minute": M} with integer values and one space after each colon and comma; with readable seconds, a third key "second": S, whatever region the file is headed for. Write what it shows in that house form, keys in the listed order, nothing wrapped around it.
{"hour": 6, "minute": 53, "second": 11}
